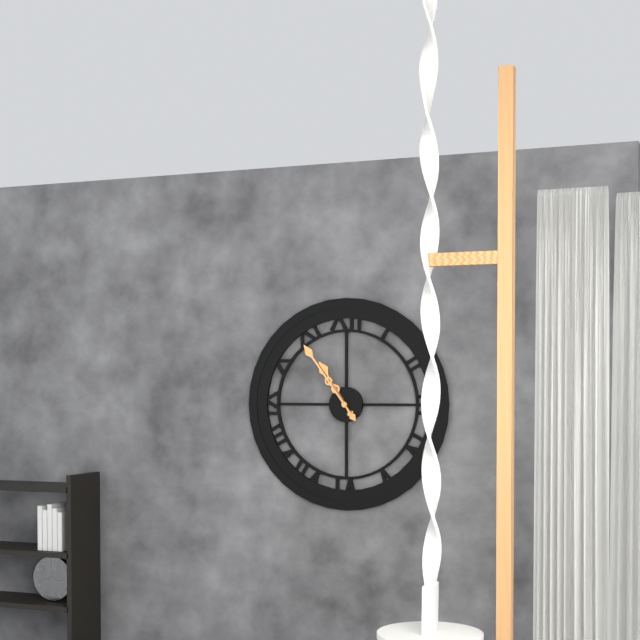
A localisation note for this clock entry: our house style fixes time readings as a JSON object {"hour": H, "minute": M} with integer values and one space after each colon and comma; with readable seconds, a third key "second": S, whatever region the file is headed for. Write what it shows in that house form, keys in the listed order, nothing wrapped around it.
{"hour": 10, "minute": 54}
